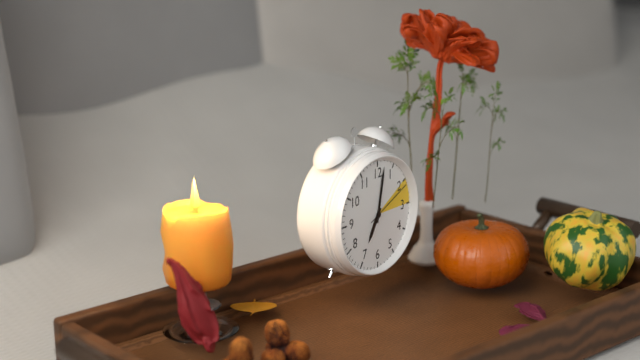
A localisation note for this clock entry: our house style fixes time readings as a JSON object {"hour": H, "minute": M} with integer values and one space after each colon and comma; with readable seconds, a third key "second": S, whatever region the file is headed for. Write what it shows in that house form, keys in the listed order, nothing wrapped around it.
{"hour": 7, "minute": 2, "second": 11}
